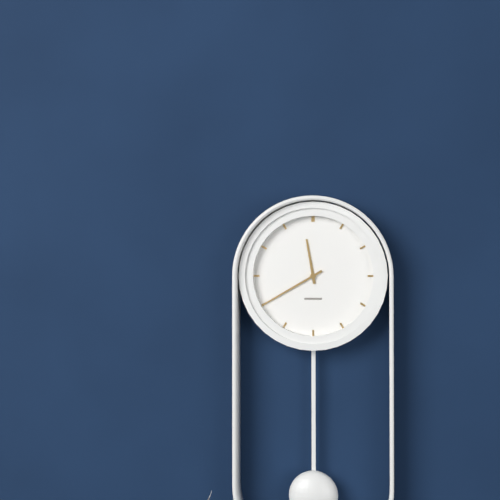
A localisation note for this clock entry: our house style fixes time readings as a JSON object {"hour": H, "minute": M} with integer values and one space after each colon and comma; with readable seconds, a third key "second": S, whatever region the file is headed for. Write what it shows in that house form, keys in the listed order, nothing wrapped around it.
{"hour": 11, "minute": 40}
